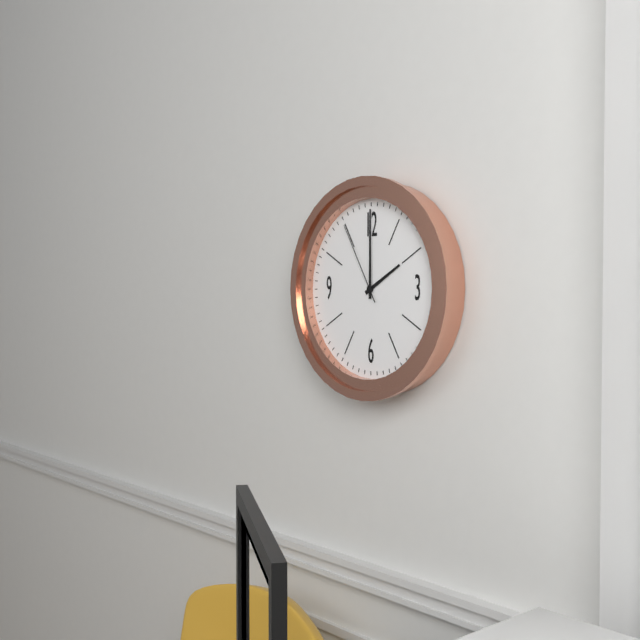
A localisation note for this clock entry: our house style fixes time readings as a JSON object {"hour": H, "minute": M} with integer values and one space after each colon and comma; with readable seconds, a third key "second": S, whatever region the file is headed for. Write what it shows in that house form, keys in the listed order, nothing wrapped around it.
{"hour": 2, "minute": 0, "second": 55}
